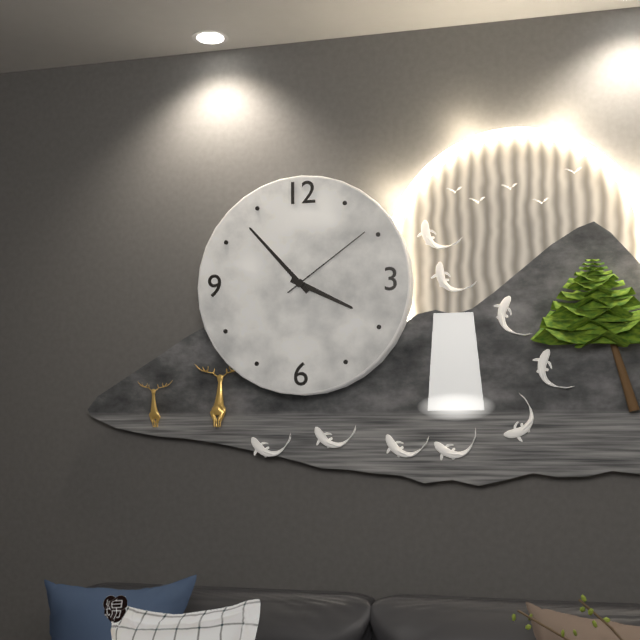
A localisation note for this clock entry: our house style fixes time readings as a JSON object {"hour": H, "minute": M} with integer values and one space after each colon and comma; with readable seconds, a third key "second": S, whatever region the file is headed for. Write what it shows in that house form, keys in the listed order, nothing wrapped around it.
{"hour": 3, "minute": 53, "second": 9}
